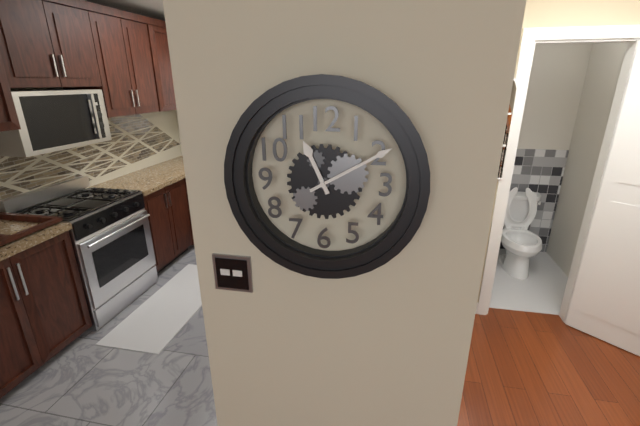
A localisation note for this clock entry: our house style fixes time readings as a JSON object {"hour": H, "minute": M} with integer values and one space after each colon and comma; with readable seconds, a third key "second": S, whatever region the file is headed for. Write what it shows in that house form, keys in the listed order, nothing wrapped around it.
{"hour": 11, "minute": 10}
